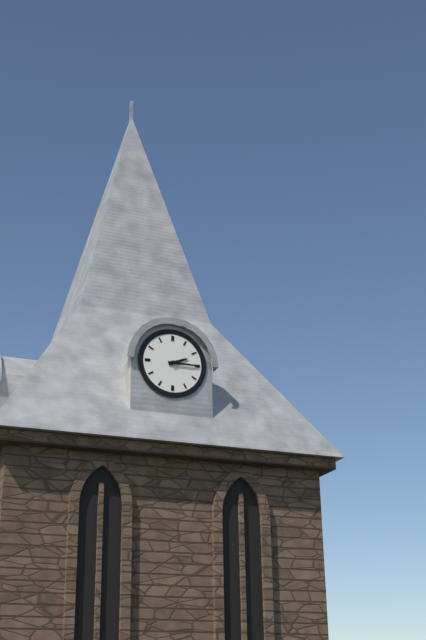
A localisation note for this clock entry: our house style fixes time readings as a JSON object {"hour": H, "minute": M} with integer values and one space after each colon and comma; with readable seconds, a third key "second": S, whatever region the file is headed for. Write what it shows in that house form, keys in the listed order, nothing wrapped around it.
{"hour": 2, "minute": 15}
